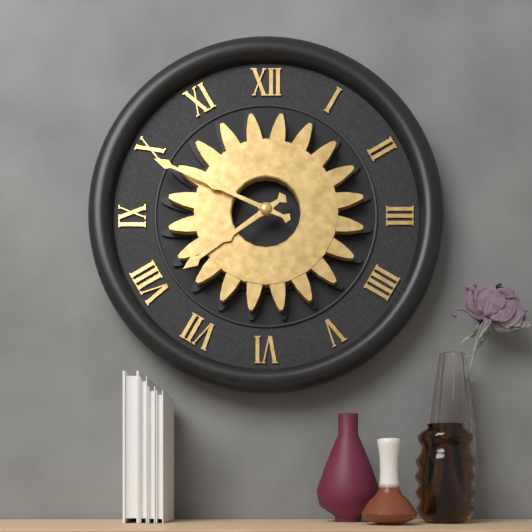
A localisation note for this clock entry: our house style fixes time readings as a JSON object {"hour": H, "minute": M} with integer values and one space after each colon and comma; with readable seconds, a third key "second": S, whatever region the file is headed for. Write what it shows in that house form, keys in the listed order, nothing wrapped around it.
{"hour": 7, "minute": 49}
